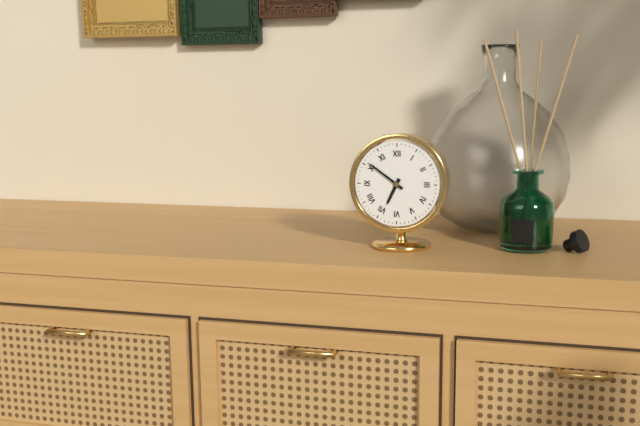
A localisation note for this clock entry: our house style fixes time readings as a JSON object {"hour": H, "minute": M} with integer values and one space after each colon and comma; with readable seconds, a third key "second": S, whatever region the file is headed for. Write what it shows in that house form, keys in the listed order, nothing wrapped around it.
{"hour": 6, "minute": 51}
